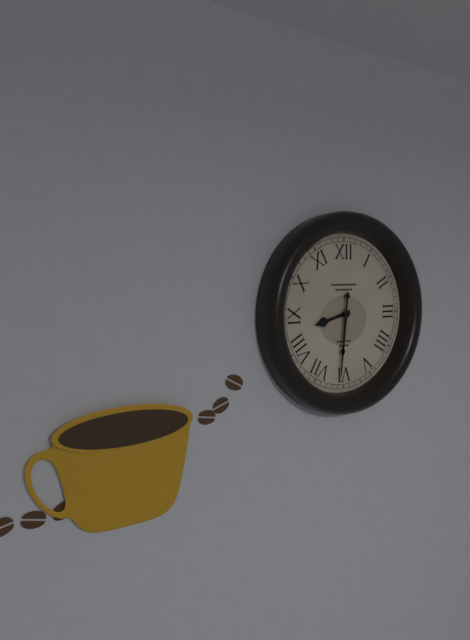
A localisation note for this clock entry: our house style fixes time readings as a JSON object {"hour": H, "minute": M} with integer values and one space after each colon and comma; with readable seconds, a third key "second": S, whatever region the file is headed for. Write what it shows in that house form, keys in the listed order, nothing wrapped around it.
{"hour": 8, "minute": 31}
